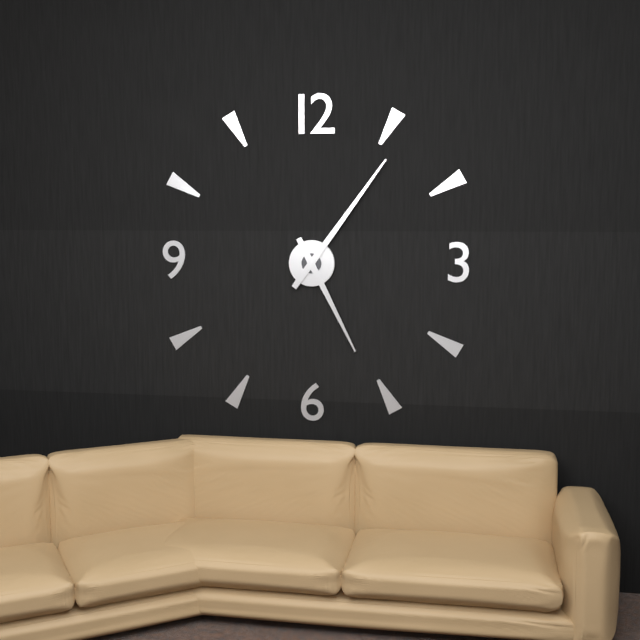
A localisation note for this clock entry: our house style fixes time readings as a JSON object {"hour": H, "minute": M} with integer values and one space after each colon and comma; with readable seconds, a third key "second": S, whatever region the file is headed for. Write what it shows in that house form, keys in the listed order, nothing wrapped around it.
{"hour": 5, "minute": 6}
